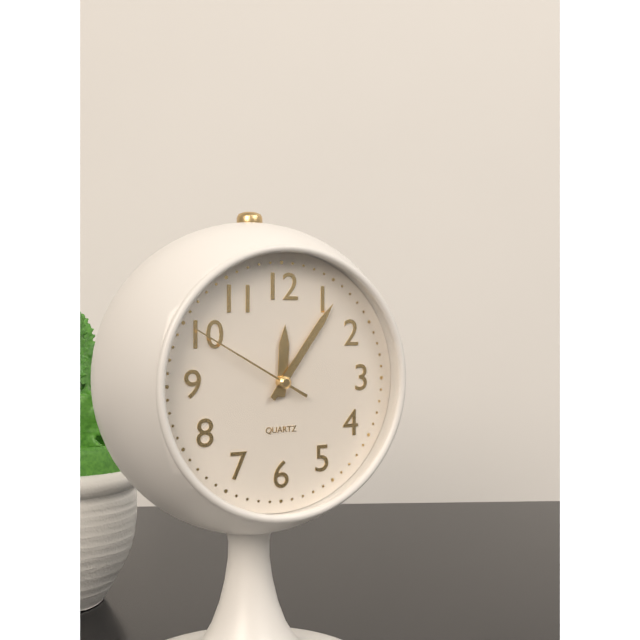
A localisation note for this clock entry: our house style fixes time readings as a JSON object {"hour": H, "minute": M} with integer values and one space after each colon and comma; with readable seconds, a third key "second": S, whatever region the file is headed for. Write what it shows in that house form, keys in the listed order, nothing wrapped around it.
{"hour": 12, "minute": 6, "second": 50}
